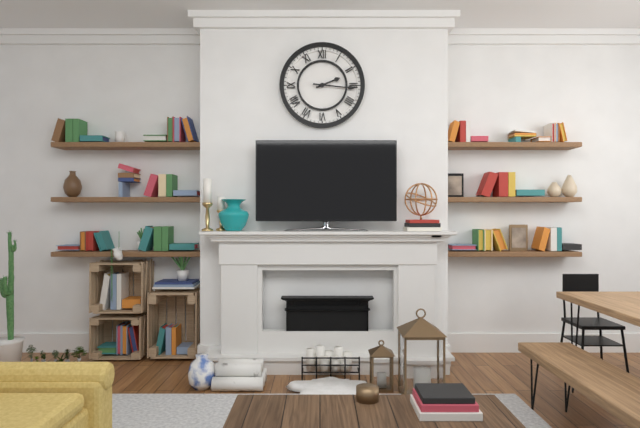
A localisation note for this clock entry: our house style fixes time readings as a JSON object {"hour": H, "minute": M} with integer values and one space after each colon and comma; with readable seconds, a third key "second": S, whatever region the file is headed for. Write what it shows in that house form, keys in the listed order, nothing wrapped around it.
{"hour": 2, "minute": 16}
